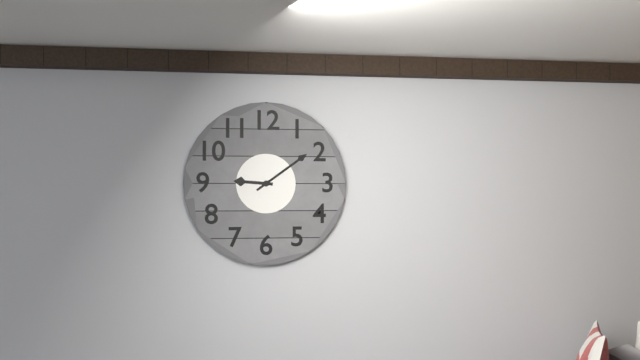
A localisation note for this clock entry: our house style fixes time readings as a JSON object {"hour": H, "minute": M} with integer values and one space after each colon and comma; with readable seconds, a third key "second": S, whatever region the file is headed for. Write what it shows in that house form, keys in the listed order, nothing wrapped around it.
{"hour": 9, "minute": 9}
